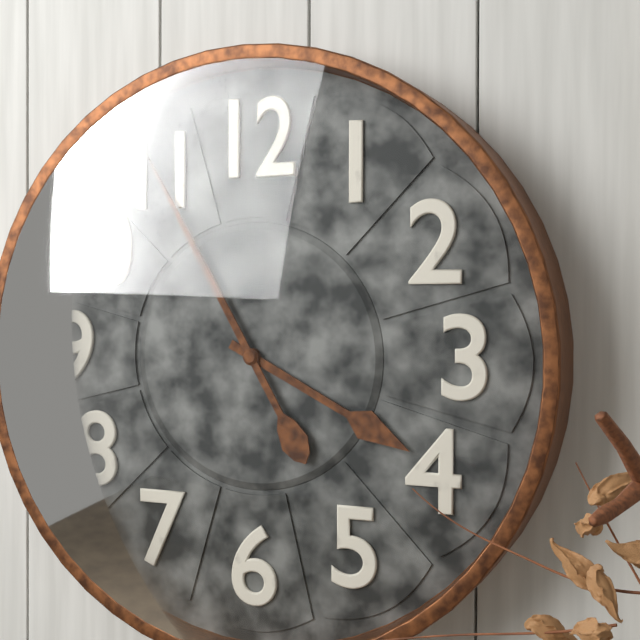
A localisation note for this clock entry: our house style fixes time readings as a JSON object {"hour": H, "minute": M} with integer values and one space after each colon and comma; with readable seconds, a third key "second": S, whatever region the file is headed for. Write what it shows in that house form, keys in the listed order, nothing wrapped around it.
{"hour": 3, "minute": 55}
